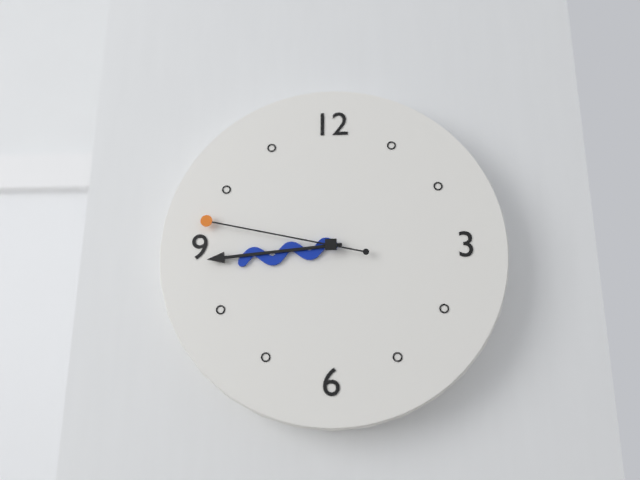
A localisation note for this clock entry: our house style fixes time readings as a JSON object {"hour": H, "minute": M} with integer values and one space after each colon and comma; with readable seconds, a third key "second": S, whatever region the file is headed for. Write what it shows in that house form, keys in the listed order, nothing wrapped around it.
{"hour": 8, "minute": 44, "second": 47}
